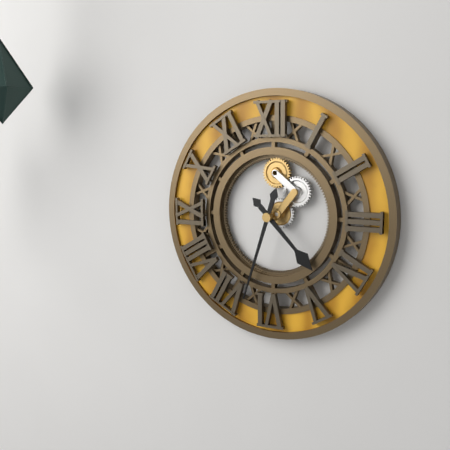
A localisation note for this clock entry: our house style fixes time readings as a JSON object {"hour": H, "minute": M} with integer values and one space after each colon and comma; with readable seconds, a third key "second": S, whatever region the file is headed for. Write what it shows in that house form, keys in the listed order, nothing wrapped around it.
{"hour": 4, "minute": 33}
